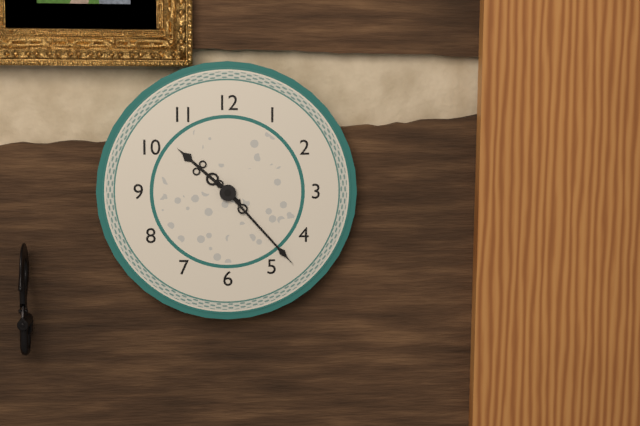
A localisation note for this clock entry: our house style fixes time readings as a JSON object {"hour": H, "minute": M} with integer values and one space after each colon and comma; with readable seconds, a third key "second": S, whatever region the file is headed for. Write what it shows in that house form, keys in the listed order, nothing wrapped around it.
{"hour": 10, "minute": 23}
